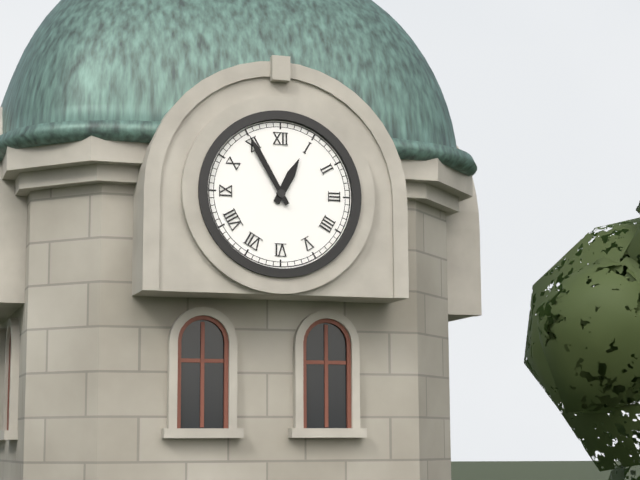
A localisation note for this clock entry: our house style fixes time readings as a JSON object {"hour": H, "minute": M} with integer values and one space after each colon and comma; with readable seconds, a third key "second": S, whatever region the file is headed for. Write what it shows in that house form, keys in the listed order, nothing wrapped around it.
{"hour": 12, "minute": 55}
